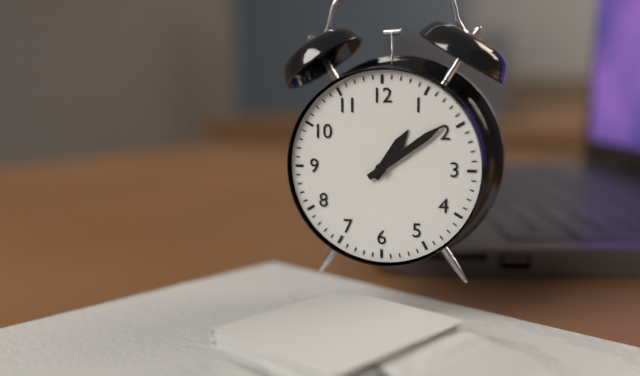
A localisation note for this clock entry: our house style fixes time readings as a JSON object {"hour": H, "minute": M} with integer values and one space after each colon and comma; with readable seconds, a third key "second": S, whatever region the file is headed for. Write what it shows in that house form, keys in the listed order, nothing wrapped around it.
{"hour": 1, "minute": 9}
